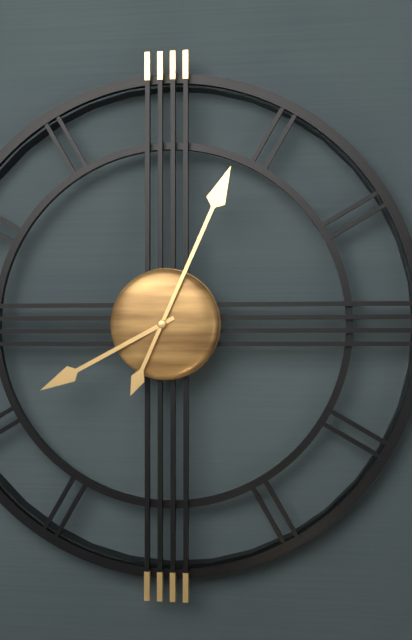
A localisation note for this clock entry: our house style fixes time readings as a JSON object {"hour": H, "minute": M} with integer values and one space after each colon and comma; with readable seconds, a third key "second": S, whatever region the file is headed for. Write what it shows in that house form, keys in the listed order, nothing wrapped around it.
{"hour": 8, "minute": 4}
